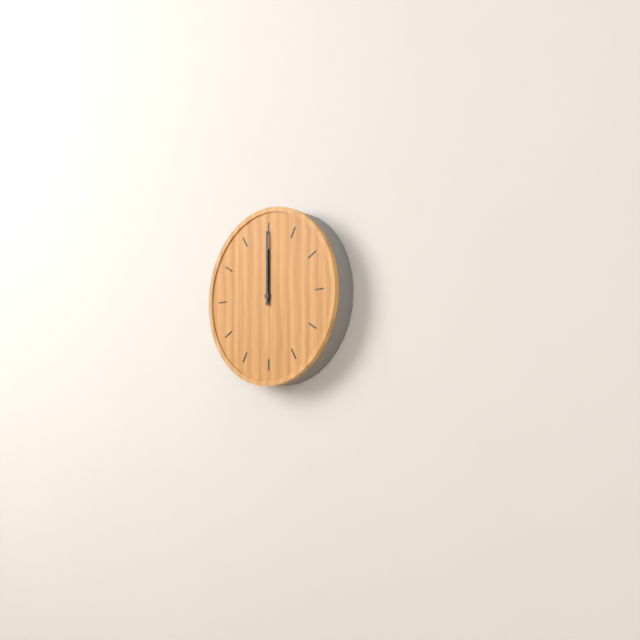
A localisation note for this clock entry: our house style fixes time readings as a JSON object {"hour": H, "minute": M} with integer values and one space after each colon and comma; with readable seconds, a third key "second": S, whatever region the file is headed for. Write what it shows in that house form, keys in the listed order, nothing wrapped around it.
{"hour": 12, "minute": 0}
